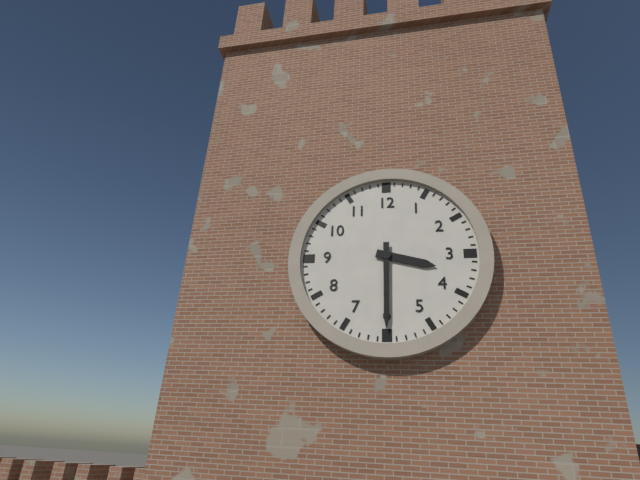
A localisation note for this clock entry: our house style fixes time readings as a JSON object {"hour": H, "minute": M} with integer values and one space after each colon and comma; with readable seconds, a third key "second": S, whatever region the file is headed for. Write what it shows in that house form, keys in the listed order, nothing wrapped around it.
{"hour": 3, "minute": 30}
